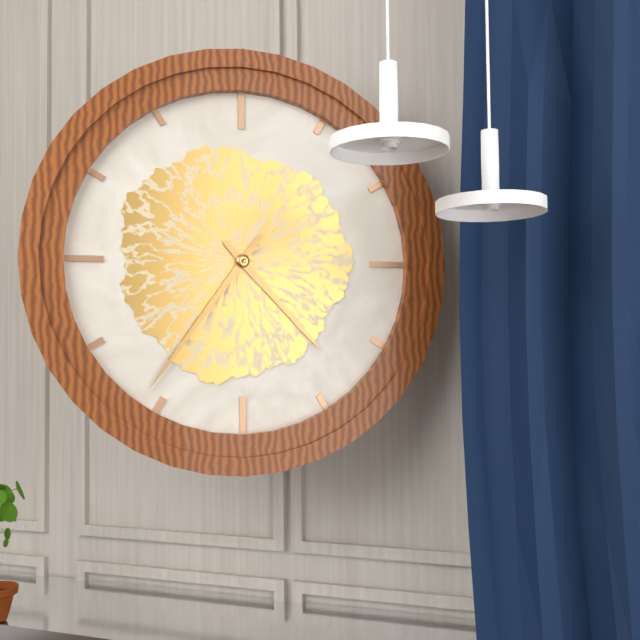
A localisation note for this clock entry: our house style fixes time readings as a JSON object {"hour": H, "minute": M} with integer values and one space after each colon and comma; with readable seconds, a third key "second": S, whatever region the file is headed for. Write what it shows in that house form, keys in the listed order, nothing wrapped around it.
{"hour": 4, "minute": 36}
